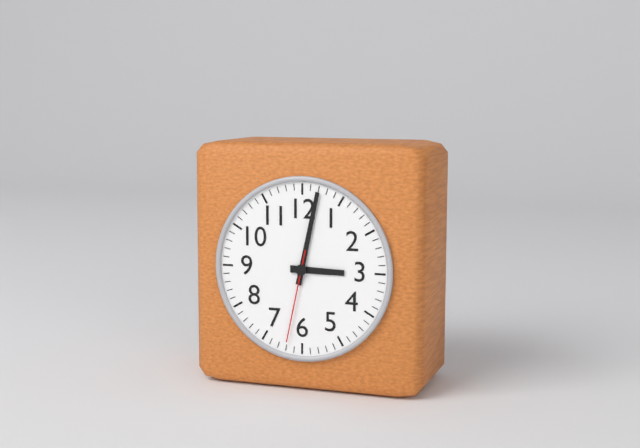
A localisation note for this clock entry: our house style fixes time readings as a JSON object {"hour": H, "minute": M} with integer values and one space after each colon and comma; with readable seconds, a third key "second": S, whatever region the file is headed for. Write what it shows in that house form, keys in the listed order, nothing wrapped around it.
{"hour": 3, "minute": 2, "second": 32}
